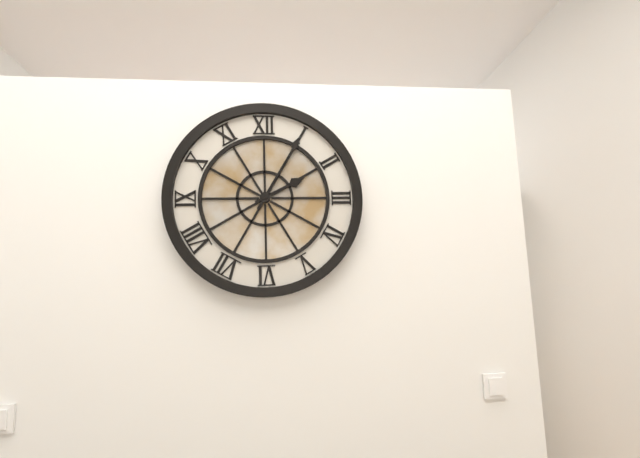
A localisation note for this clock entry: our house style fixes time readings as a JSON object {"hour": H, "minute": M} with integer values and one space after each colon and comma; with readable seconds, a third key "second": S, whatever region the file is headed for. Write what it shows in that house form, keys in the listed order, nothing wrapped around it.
{"hour": 2, "minute": 5}
